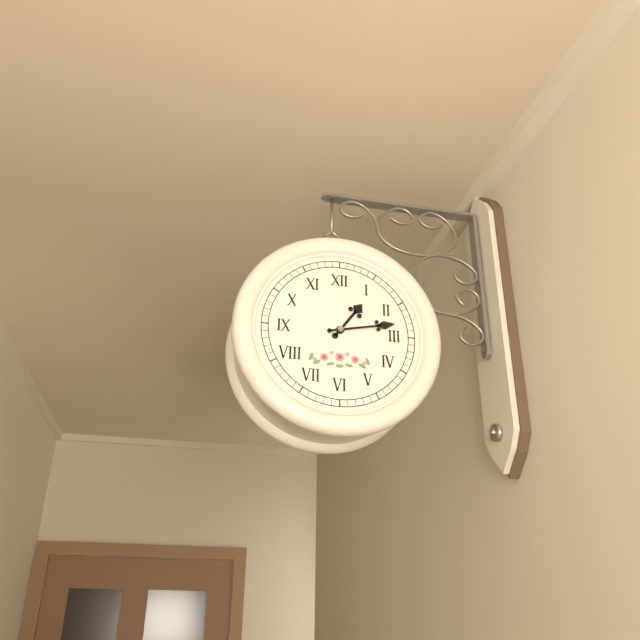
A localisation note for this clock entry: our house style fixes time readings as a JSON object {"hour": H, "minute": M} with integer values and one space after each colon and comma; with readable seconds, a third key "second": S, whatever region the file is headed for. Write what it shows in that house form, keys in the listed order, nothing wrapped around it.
{"hour": 1, "minute": 13}
